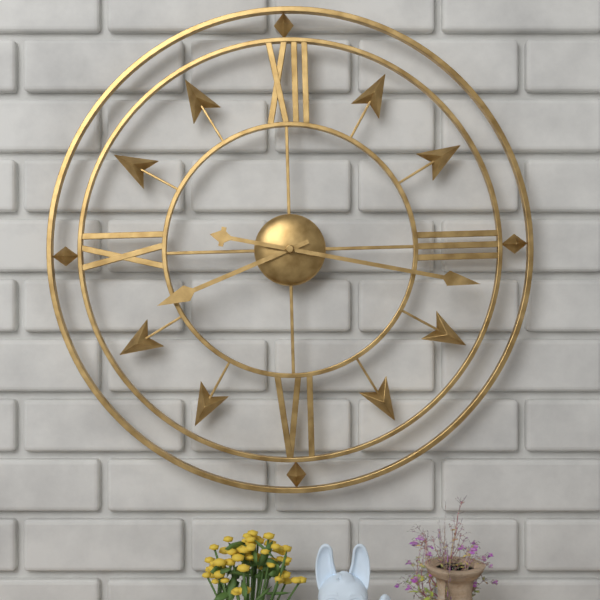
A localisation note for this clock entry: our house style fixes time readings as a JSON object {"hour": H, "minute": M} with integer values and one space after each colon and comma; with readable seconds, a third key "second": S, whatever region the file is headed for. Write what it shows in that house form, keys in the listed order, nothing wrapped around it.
{"hour": 8, "minute": 17}
